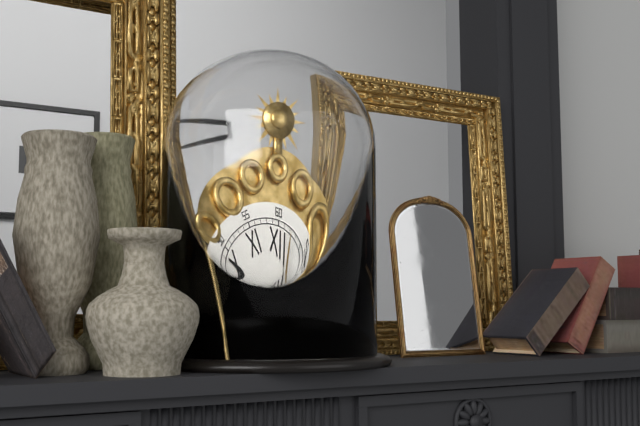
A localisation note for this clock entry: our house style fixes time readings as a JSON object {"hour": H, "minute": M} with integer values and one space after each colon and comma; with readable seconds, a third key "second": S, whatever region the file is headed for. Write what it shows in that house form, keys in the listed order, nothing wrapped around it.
{"hour": 7, "minute": 2}
